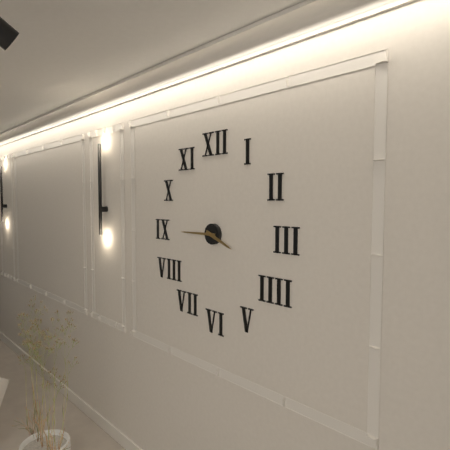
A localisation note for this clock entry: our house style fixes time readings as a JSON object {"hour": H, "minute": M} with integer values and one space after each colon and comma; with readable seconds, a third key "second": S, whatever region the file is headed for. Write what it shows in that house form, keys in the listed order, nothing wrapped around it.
{"hour": 3, "minute": 45}
